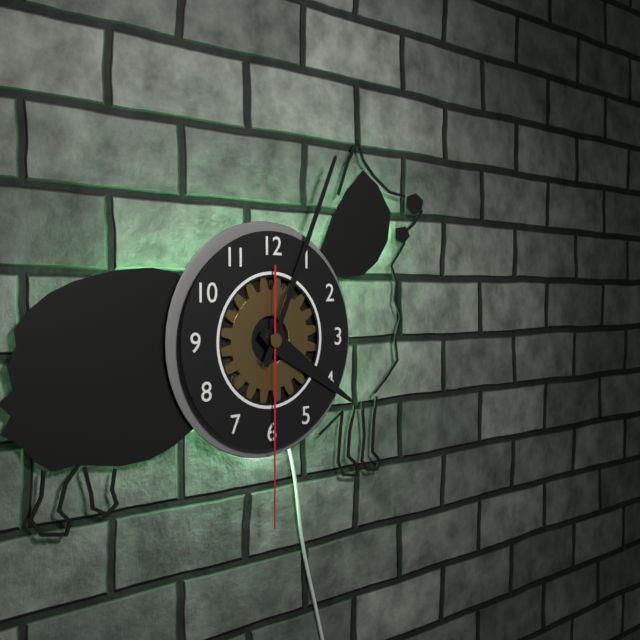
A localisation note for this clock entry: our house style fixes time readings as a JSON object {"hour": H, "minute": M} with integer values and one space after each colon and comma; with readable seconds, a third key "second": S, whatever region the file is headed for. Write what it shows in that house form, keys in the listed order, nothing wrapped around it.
{"hour": 4, "minute": 4, "second": 30}
